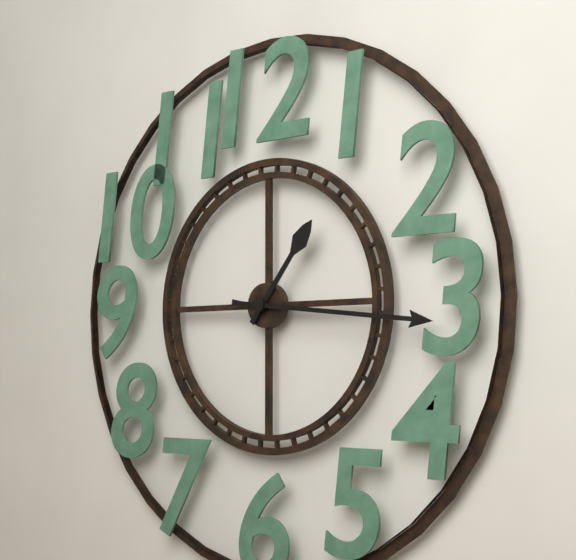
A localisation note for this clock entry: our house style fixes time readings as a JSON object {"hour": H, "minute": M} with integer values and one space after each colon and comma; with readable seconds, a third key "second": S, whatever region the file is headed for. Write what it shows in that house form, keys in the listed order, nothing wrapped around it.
{"hour": 1, "minute": 16}
